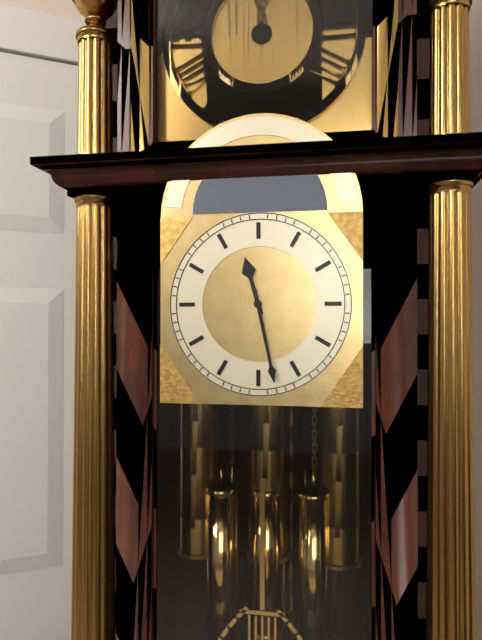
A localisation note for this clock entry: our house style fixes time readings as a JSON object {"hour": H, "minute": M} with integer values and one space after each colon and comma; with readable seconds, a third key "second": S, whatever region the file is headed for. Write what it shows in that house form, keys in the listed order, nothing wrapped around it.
{"hour": 11, "minute": 28}
